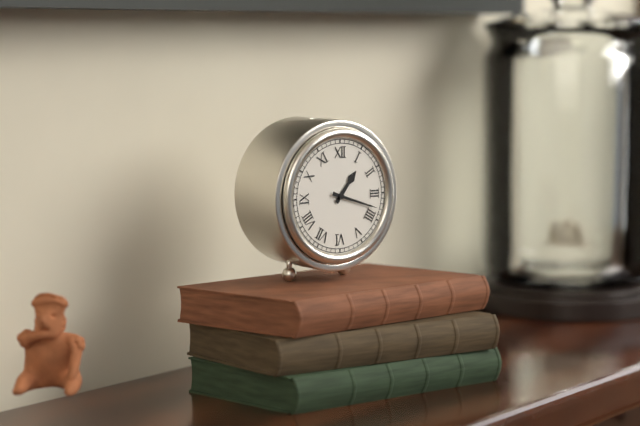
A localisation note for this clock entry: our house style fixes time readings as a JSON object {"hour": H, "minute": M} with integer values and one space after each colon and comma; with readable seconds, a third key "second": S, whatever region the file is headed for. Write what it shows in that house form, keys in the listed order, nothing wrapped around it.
{"hour": 1, "minute": 18}
